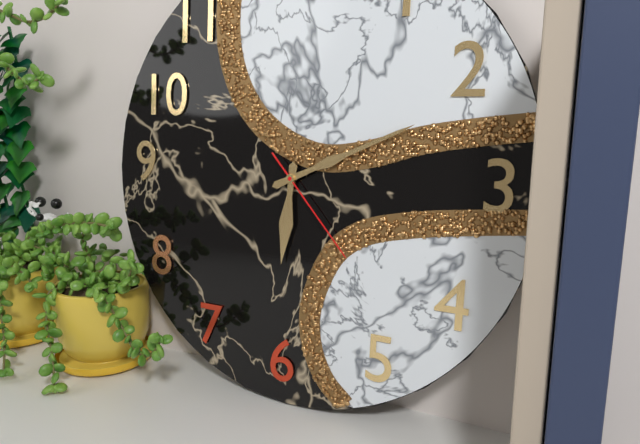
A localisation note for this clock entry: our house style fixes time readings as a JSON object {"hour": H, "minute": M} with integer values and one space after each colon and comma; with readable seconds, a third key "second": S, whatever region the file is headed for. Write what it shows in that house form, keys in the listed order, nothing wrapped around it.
{"hour": 6, "minute": 11, "second": 23}
